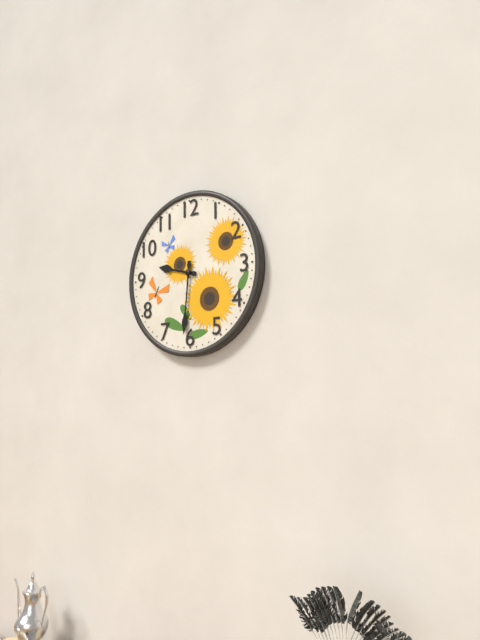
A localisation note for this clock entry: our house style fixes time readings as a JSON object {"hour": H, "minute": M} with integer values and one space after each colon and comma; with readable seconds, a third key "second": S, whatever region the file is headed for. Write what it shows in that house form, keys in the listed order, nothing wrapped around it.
{"hour": 9, "minute": 31}
